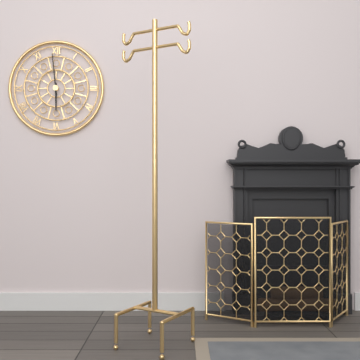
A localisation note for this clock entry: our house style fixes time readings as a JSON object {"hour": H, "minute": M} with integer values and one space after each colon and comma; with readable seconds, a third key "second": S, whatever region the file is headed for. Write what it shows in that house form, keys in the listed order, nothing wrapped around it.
{"hour": 5, "minute": 59}
